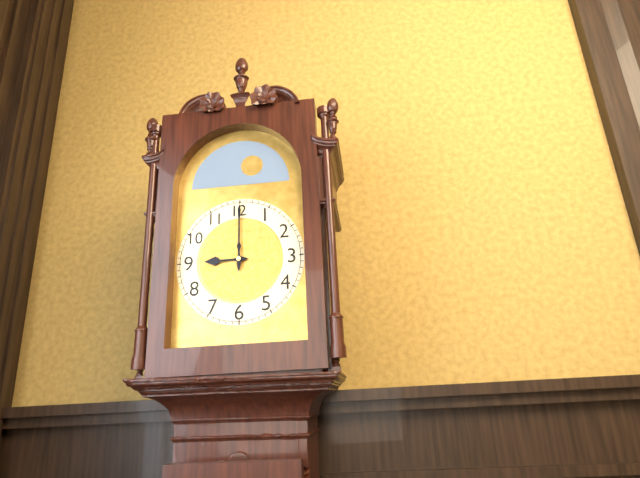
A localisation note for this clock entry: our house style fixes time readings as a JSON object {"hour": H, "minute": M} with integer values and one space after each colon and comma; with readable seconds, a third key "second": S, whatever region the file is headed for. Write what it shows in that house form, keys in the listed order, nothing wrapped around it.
{"hour": 9, "minute": 0}
